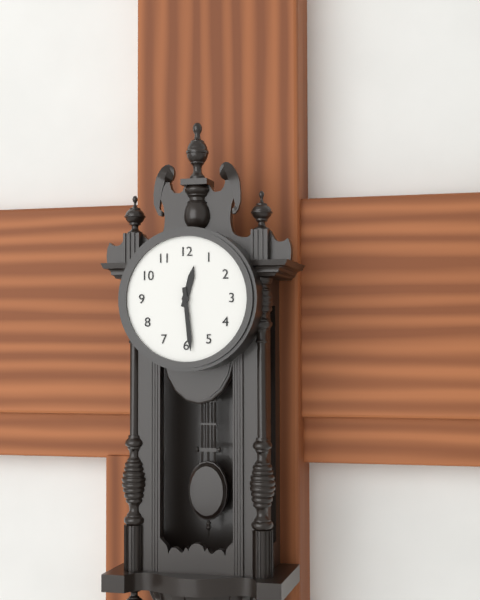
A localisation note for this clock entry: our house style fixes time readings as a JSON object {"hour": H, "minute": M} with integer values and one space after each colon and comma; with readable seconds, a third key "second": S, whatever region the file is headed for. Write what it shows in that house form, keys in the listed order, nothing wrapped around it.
{"hour": 12, "minute": 29}
